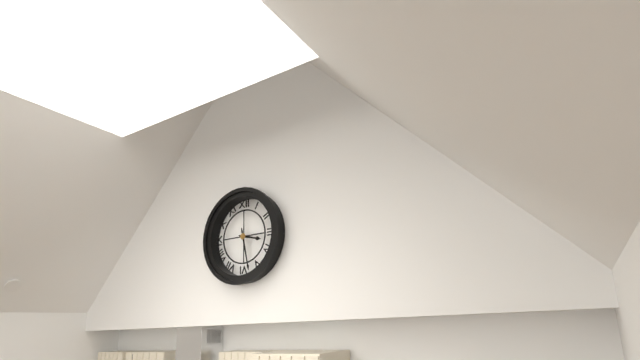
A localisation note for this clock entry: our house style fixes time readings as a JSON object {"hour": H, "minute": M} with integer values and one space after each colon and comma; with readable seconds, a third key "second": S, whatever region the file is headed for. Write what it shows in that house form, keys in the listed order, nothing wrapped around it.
{"hour": 3, "minute": 28}
